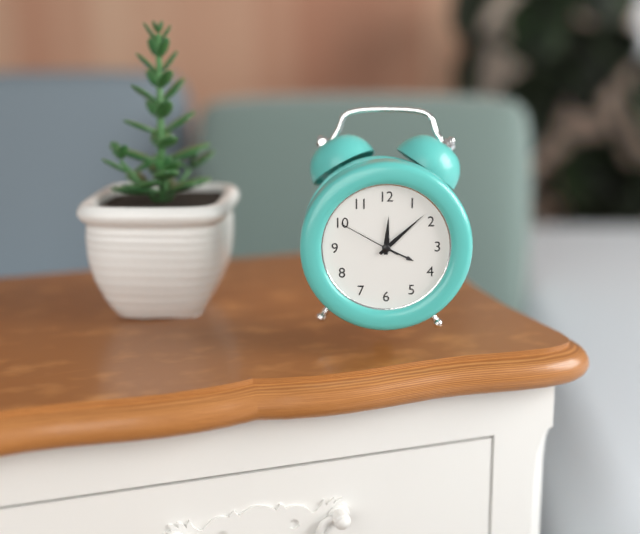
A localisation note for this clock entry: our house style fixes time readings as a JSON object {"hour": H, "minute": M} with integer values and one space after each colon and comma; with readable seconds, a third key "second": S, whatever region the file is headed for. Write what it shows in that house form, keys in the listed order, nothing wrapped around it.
{"hour": 12, "minute": 8, "second": 50}
